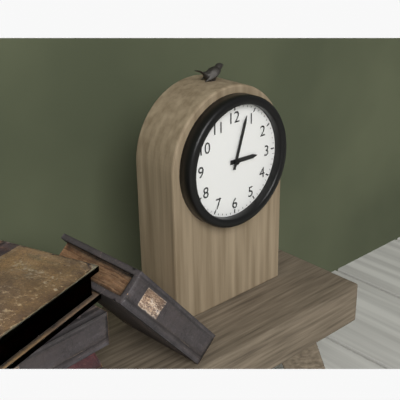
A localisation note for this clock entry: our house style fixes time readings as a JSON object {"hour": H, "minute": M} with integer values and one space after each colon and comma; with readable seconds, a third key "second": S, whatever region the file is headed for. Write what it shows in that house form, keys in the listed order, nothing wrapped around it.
{"hour": 3, "minute": 3}
